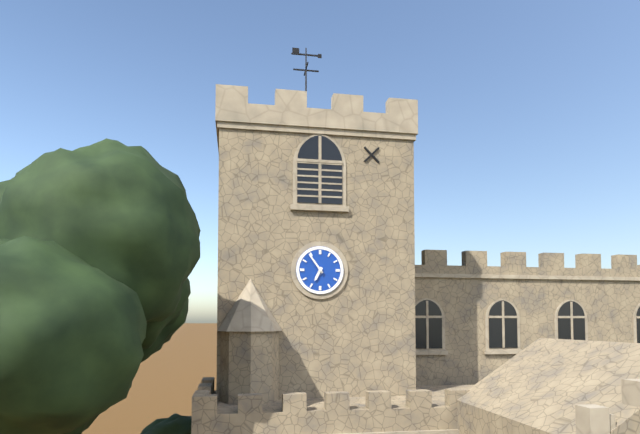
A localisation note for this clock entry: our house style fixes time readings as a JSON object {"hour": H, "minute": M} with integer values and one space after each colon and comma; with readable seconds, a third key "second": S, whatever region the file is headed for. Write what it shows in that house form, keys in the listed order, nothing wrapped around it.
{"hour": 6, "minute": 54}
